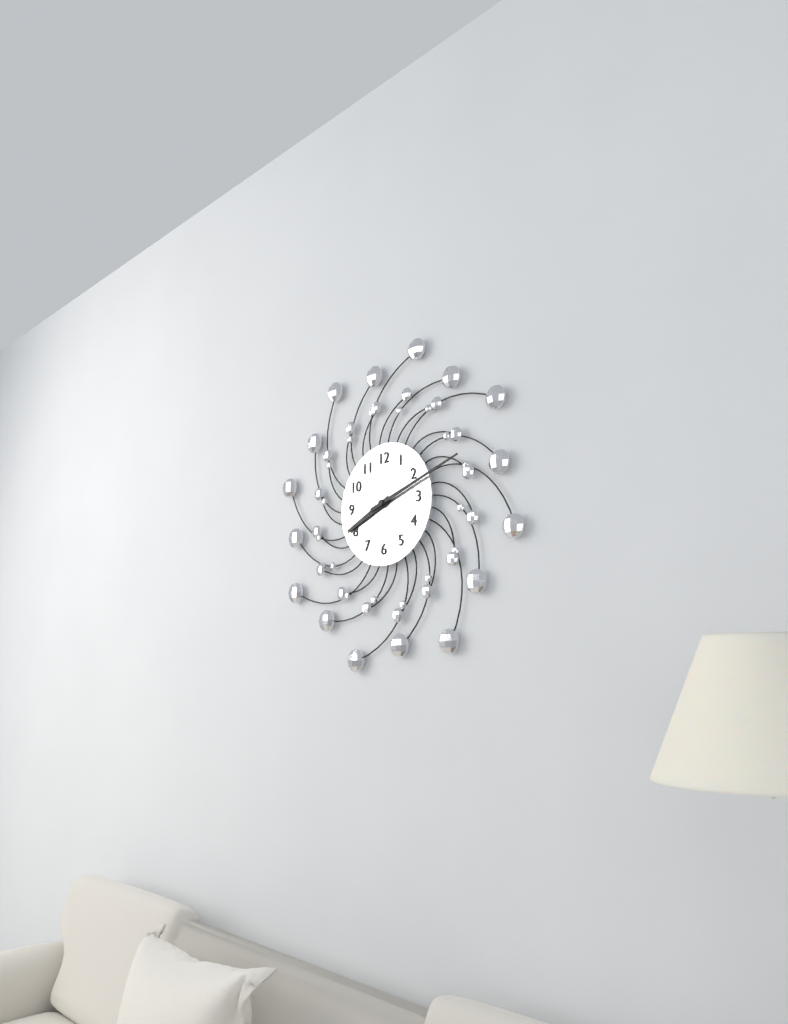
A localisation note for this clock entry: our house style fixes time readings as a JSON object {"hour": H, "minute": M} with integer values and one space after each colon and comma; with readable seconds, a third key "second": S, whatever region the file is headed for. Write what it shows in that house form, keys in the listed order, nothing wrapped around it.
{"hour": 8, "minute": 12}
